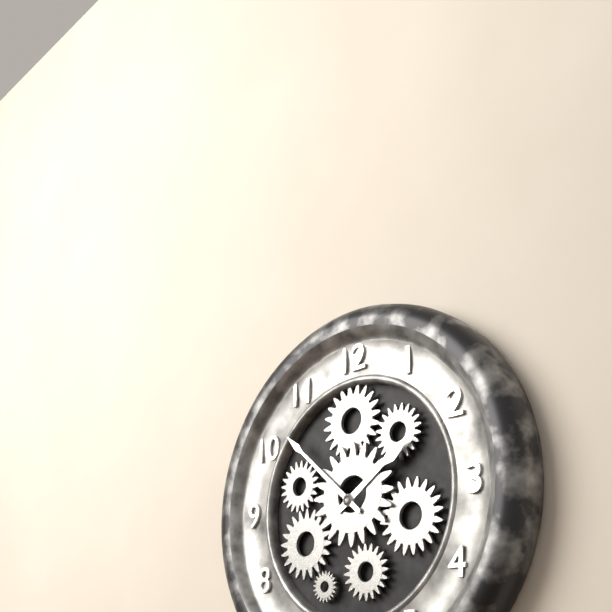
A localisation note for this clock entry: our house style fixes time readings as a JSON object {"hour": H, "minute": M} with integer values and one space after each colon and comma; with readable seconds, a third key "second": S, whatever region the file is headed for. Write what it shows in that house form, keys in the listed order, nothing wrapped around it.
{"hour": 1, "minute": 52}
